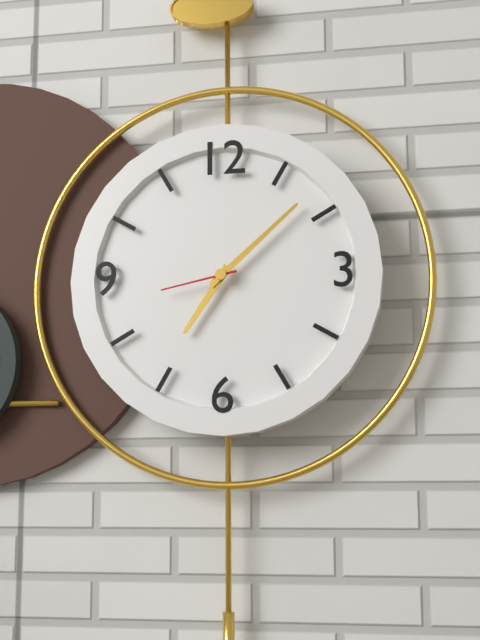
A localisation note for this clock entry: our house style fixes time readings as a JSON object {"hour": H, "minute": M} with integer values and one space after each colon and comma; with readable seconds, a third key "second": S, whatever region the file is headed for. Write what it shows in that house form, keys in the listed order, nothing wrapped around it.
{"hour": 7, "minute": 8, "second": 43}
